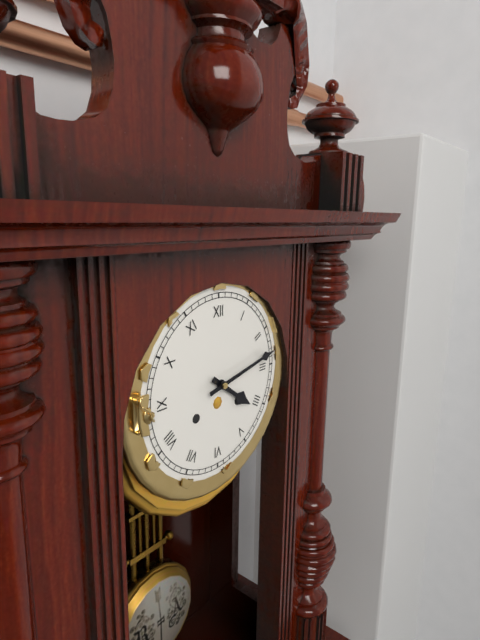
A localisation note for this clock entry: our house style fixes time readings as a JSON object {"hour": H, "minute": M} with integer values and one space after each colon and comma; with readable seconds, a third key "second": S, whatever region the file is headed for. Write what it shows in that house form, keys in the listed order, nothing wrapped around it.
{"hour": 4, "minute": 13}
